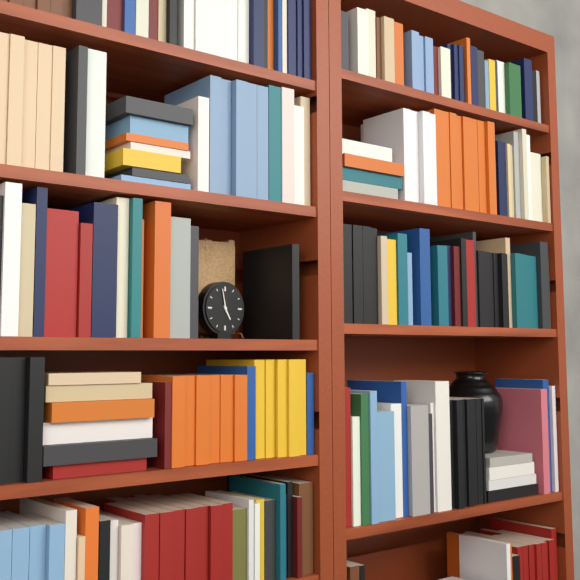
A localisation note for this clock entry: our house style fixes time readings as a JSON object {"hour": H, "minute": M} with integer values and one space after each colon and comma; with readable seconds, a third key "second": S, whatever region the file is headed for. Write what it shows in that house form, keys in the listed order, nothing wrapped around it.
{"hour": 4, "minute": 58}
